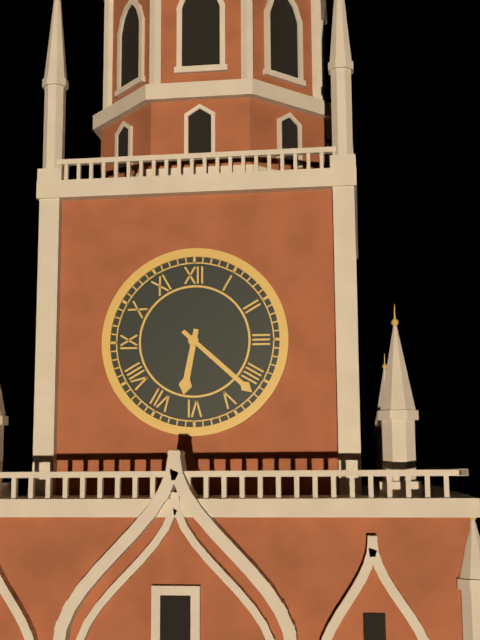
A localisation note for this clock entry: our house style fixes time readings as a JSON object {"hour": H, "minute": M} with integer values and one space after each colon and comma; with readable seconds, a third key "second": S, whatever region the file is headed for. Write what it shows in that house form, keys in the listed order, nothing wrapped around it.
{"hour": 6, "minute": 22}
